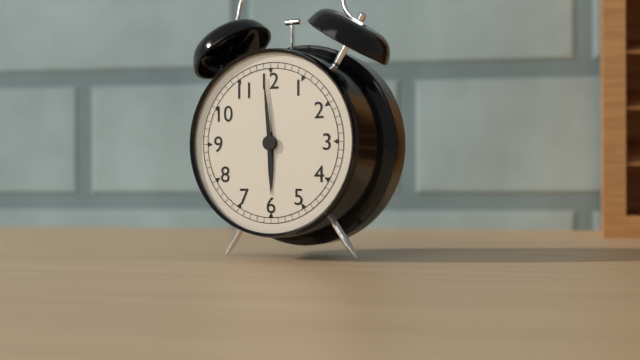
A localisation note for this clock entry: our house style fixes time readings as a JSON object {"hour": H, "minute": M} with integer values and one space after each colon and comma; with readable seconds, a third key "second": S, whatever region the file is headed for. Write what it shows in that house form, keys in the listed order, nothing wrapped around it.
{"hour": 5, "minute": 59}
